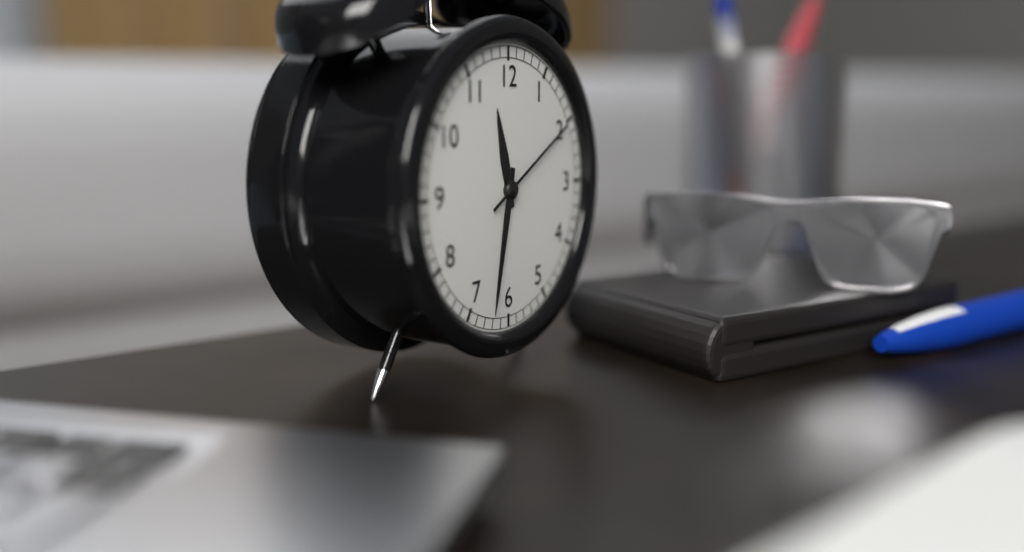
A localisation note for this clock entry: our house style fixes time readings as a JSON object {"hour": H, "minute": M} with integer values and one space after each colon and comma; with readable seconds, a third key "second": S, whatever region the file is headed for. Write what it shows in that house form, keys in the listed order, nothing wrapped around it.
{"hour": 11, "minute": 32, "second": 10}
